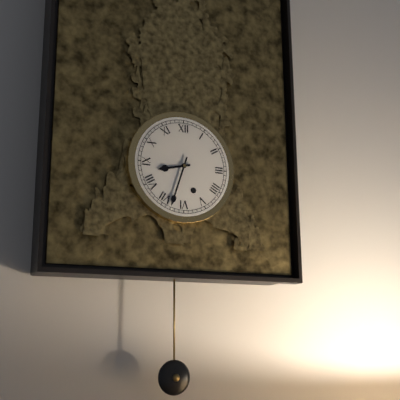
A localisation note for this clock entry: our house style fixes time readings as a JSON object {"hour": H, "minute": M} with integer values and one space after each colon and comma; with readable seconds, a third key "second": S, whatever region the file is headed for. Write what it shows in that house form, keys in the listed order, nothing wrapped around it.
{"hour": 8, "minute": 33}
